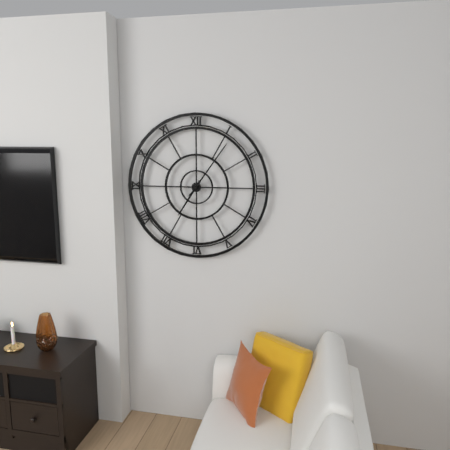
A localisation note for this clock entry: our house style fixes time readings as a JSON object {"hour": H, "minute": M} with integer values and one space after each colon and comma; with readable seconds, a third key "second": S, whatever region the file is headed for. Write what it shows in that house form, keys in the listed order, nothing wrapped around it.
{"hour": 7, "minute": 6}
